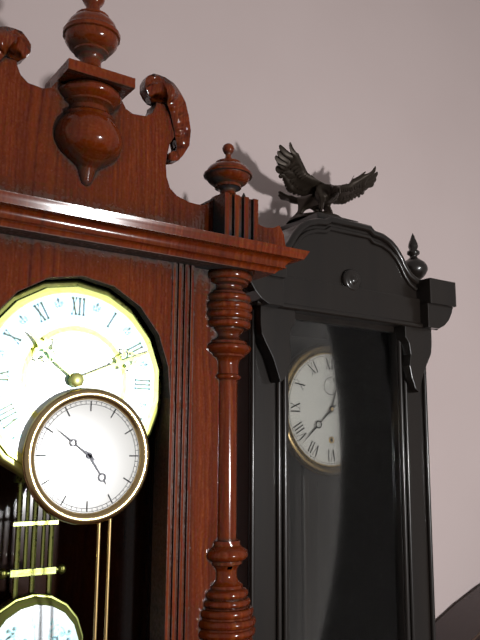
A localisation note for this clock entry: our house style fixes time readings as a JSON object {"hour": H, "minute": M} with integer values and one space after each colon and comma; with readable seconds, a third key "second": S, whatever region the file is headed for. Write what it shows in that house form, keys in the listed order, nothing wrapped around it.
{"hour": 12, "minute": 38}
